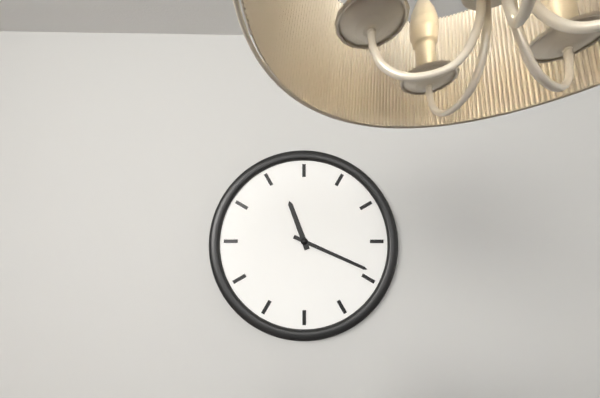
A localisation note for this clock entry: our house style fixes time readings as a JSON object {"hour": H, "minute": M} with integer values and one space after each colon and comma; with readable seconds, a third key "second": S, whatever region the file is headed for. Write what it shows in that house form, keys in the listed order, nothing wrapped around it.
{"hour": 11, "minute": 19}
